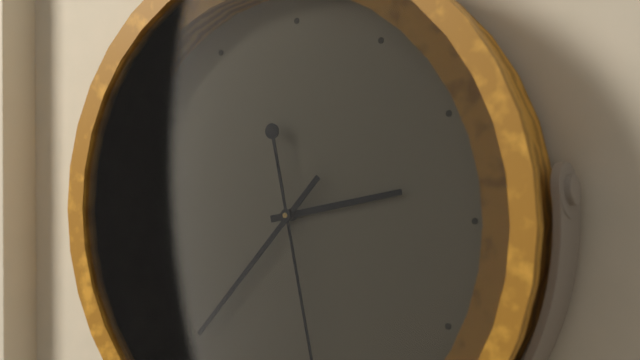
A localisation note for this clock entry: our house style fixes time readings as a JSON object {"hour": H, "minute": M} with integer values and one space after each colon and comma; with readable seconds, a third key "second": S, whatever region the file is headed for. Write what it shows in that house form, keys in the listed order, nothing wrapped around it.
{"hour": 2, "minute": 37}
